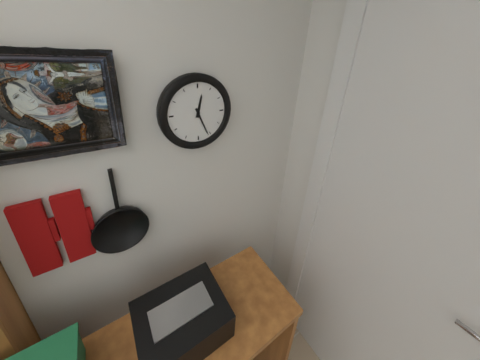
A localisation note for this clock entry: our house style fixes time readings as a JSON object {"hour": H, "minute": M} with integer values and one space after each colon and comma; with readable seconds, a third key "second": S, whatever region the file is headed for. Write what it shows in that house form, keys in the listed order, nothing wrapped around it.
{"hour": 12, "minute": 26}
